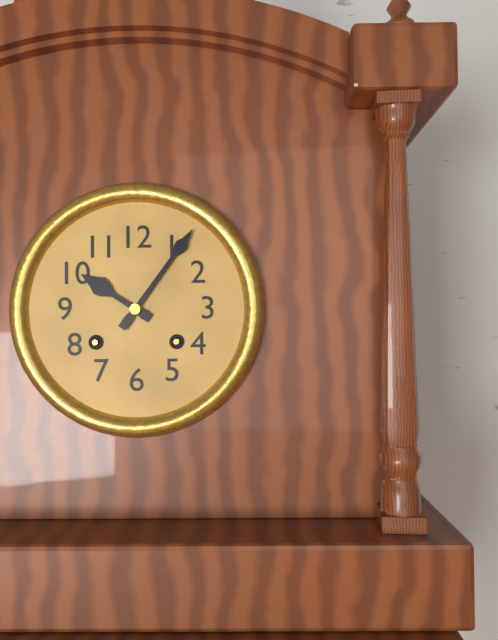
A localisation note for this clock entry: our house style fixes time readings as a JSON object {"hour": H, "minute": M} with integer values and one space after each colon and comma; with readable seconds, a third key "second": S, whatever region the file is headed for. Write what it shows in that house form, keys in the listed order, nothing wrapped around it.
{"hour": 10, "minute": 6}
